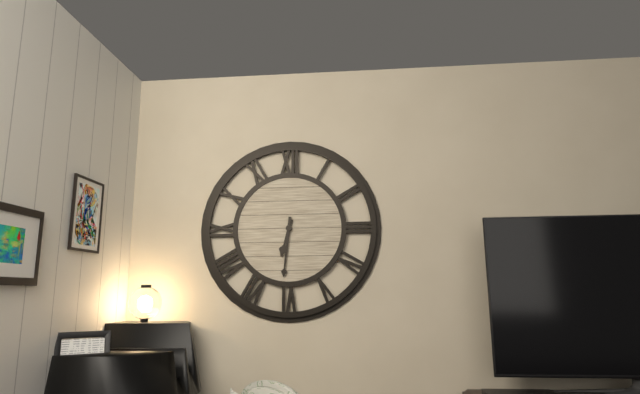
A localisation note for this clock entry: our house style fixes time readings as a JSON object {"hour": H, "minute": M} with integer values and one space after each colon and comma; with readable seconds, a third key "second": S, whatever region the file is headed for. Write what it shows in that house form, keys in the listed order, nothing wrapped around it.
{"hour": 6, "minute": 31}
